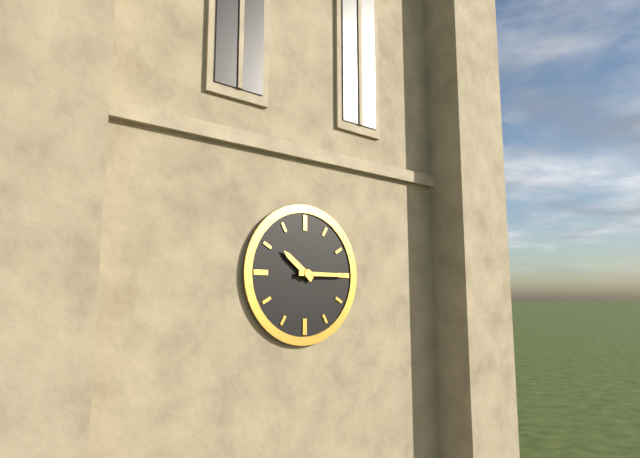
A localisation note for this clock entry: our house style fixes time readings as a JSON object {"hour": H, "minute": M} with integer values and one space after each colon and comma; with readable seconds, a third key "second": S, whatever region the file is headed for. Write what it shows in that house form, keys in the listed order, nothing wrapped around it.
{"hour": 10, "minute": 15}
